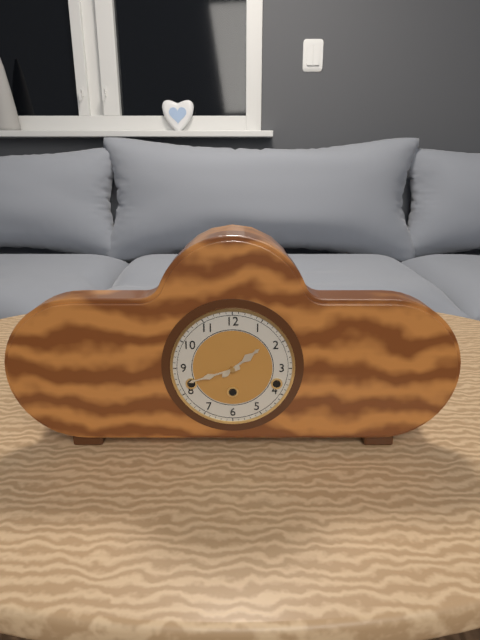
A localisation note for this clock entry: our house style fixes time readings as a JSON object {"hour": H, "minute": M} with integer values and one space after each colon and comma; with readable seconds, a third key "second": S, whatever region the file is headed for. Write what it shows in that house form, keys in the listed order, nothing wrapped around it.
{"hour": 1, "minute": 42}
